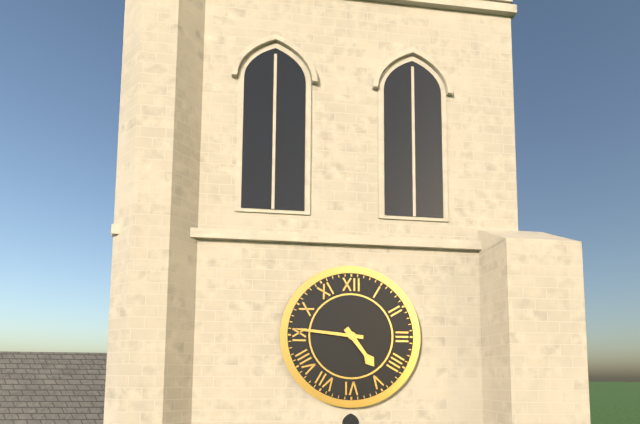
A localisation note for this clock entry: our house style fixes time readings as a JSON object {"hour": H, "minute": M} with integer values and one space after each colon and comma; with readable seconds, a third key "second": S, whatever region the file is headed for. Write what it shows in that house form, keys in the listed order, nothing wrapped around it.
{"hour": 4, "minute": 46}
